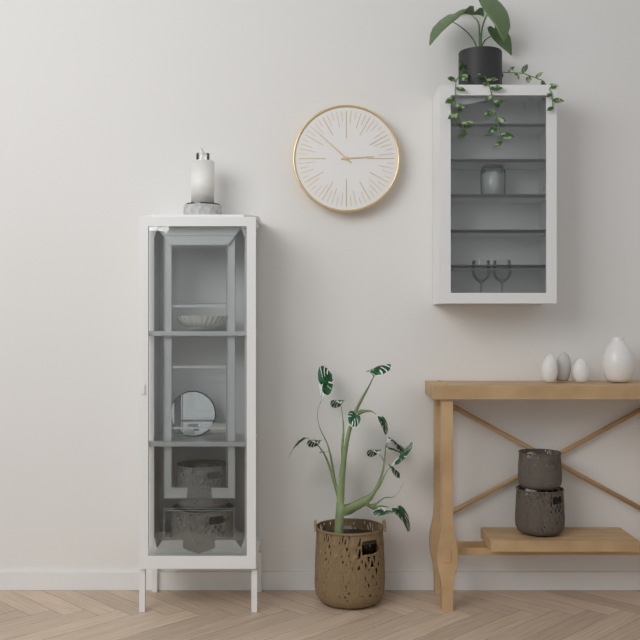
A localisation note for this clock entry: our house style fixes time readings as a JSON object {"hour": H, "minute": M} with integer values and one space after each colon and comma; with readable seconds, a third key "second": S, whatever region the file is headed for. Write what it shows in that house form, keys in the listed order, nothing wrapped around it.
{"hour": 2, "minute": 52}
